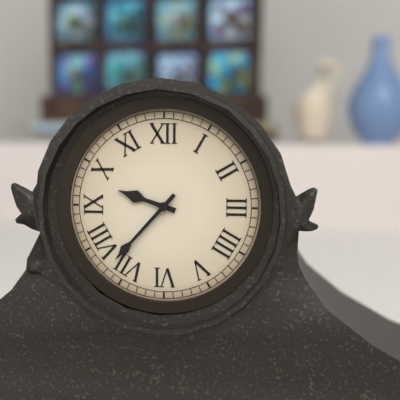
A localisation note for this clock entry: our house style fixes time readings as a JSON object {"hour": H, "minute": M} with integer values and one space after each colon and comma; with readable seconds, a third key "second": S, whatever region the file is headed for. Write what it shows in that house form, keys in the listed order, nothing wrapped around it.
{"hour": 9, "minute": 37}
